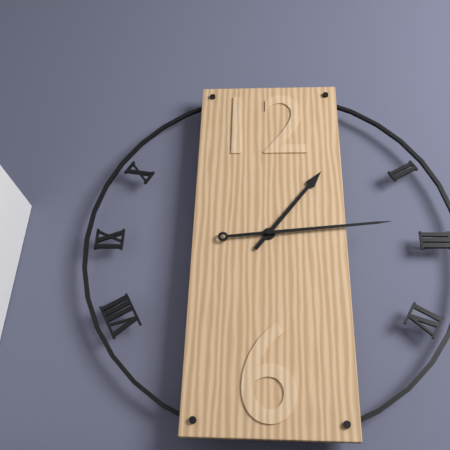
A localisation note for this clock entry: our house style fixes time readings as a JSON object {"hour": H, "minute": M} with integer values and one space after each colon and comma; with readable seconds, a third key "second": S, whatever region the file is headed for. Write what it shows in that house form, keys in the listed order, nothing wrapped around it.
{"hour": 1, "minute": 14}
